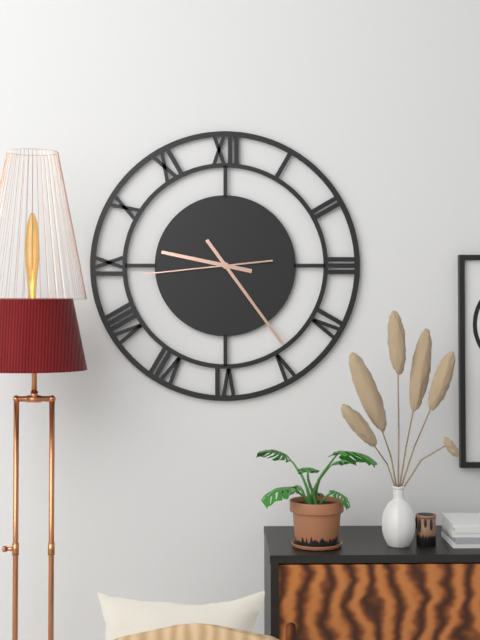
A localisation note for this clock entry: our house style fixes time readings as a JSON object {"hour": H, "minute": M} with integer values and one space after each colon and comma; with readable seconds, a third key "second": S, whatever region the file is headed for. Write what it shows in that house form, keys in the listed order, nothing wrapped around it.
{"hour": 9, "minute": 24, "second": 44}
